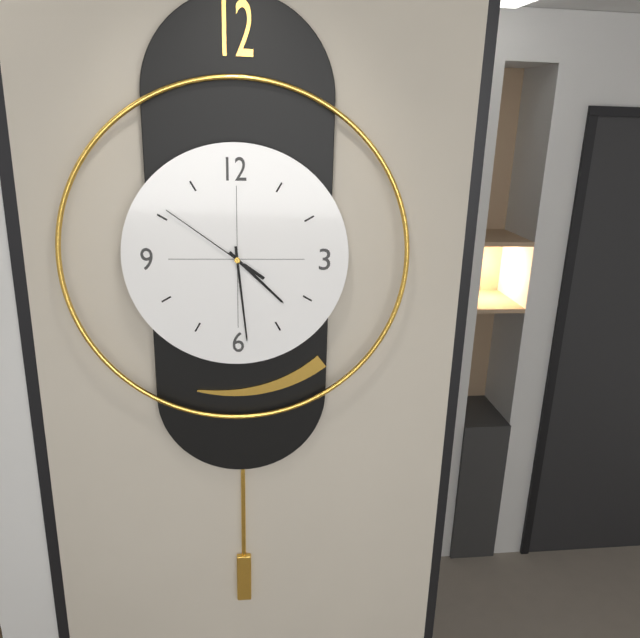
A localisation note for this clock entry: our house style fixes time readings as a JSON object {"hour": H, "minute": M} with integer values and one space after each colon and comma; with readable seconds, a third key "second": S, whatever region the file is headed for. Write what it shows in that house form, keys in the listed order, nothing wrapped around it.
{"hour": 4, "minute": 29, "second": 51}
